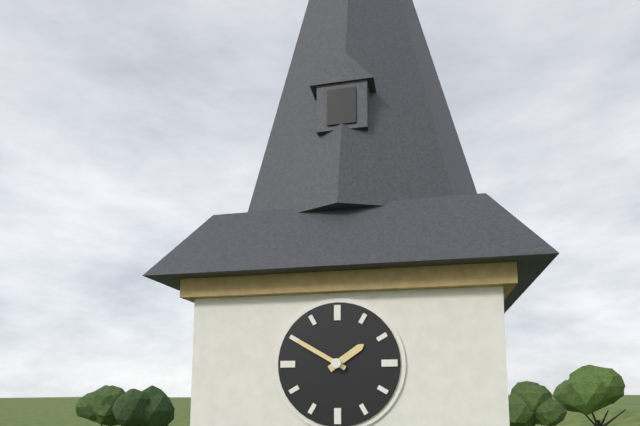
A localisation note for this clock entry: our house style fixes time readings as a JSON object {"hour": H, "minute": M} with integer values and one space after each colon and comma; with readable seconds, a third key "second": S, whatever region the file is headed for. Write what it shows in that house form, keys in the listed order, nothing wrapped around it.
{"hour": 1, "minute": 50}
